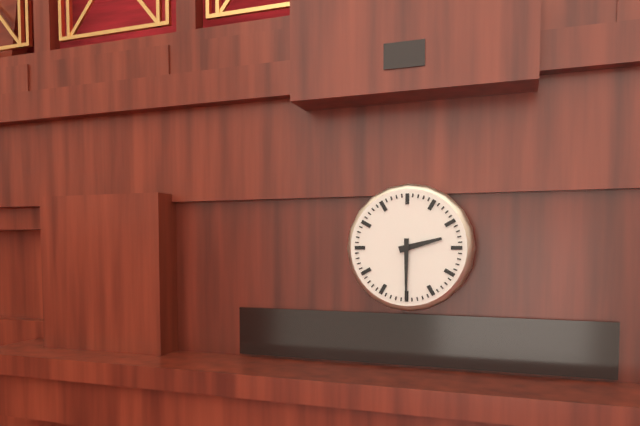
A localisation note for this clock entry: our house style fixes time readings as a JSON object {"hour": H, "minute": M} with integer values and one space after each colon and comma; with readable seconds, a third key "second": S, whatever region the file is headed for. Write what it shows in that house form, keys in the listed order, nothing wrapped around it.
{"hour": 2, "minute": 30}
